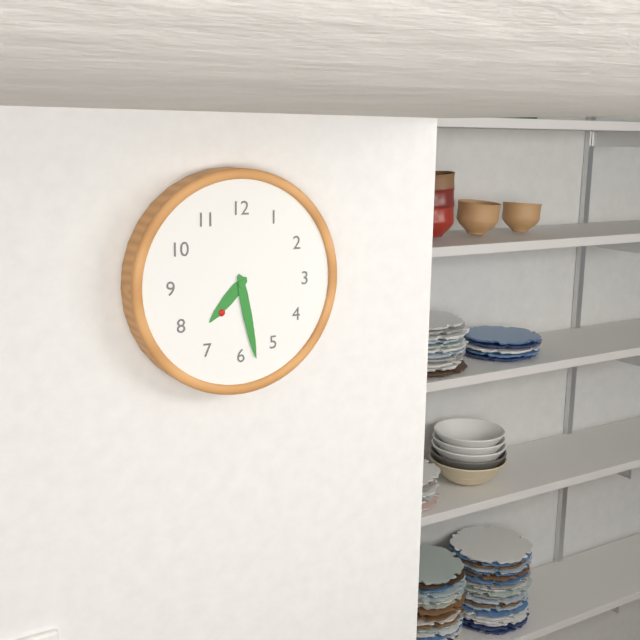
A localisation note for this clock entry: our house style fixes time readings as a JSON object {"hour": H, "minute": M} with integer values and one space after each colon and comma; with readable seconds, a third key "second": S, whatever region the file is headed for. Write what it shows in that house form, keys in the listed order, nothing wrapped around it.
{"hour": 7, "minute": 28}
